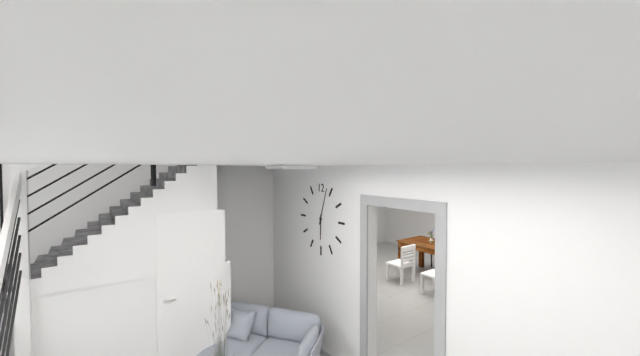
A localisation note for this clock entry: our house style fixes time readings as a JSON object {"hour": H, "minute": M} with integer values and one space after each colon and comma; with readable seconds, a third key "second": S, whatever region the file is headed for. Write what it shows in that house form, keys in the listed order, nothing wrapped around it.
{"hour": 6, "minute": 3}
